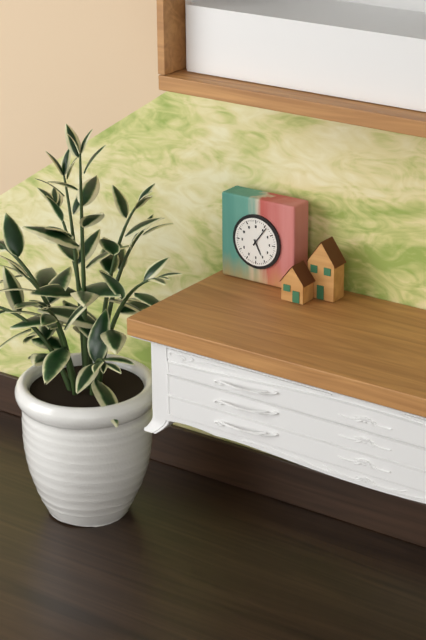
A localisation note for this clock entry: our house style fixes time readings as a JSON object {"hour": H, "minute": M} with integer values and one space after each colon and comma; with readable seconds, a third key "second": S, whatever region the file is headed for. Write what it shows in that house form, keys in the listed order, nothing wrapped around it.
{"hour": 5, "minute": 6}
